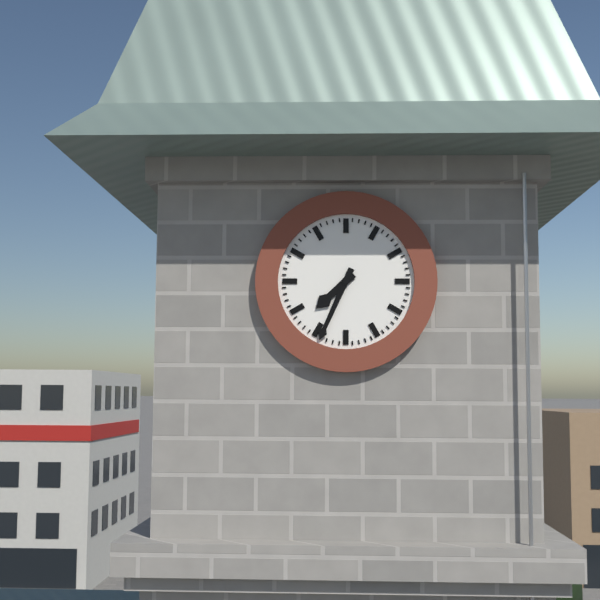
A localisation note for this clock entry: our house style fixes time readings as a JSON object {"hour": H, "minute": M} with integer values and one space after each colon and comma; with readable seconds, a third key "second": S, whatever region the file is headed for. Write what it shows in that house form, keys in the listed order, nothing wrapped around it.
{"hour": 7, "minute": 34}
